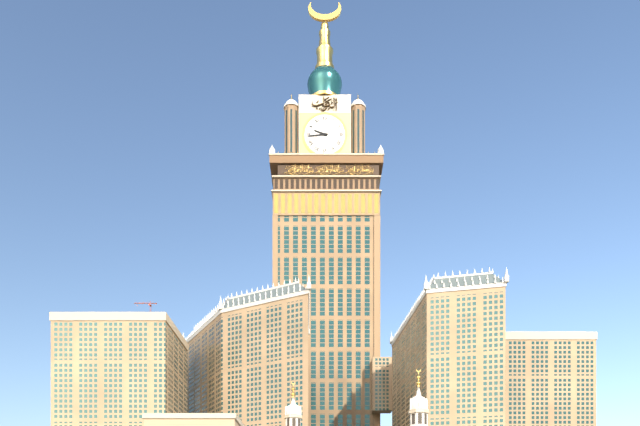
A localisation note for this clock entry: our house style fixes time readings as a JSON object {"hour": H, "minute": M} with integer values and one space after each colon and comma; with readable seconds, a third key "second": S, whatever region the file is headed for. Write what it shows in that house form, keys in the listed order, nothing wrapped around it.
{"hour": 9, "minute": 44}
